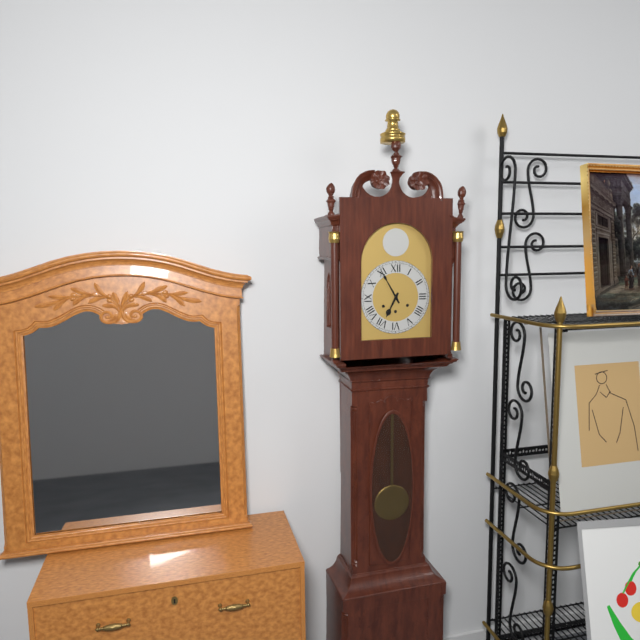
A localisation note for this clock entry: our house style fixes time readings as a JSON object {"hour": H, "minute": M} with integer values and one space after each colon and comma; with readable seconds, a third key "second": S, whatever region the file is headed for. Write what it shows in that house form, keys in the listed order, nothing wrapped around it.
{"hour": 6, "minute": 55}
